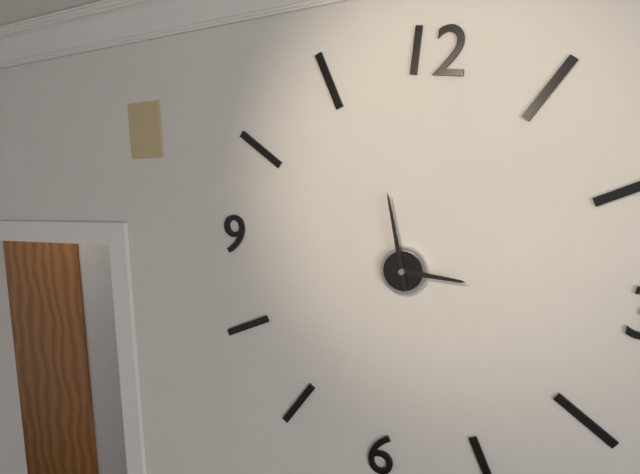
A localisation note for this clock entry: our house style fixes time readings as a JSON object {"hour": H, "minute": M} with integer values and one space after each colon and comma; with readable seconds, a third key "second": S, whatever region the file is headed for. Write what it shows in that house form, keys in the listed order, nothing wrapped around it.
{"hour": 2, "minute": 57}
